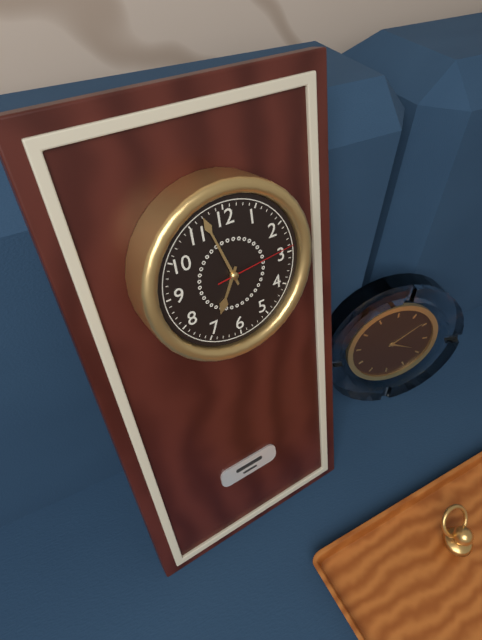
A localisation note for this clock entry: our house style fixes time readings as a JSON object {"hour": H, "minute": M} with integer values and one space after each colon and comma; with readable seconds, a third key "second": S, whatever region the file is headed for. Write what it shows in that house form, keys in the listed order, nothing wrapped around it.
{"hour": 6, "minute": 57, "second": 14}
